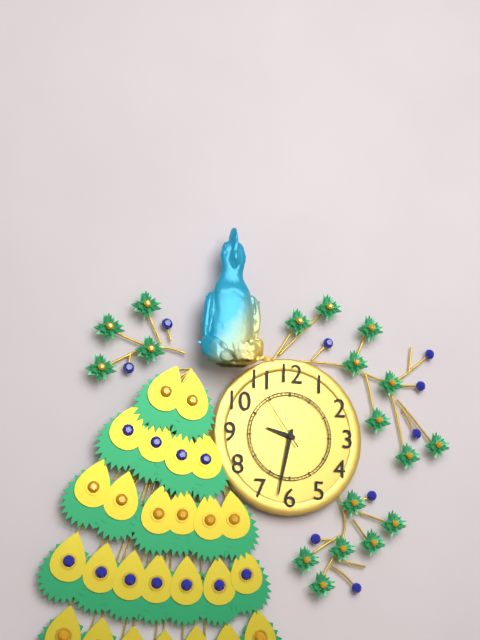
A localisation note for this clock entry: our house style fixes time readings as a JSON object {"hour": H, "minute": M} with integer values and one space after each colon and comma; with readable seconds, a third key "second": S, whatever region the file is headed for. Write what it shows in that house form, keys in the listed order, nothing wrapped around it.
{"hour": 9, "minute": 32, "second": 54}
